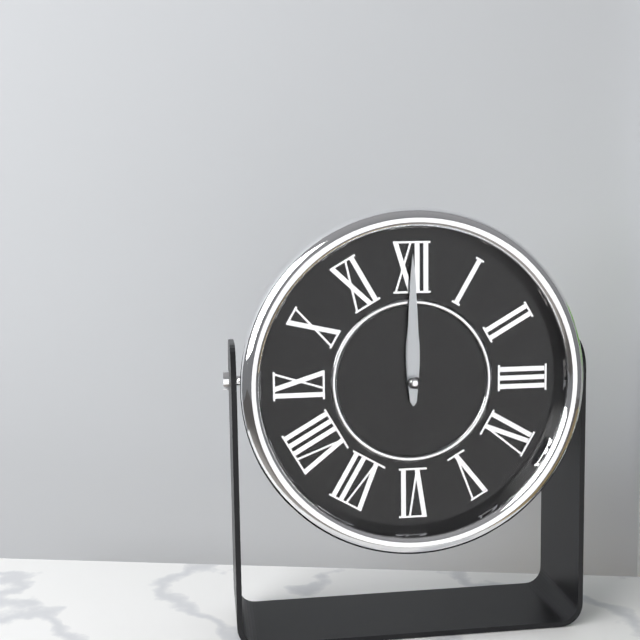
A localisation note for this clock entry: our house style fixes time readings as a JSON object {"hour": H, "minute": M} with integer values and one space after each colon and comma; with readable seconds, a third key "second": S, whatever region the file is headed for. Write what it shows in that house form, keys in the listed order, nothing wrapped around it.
{"hour": 12, "minute": 0}
